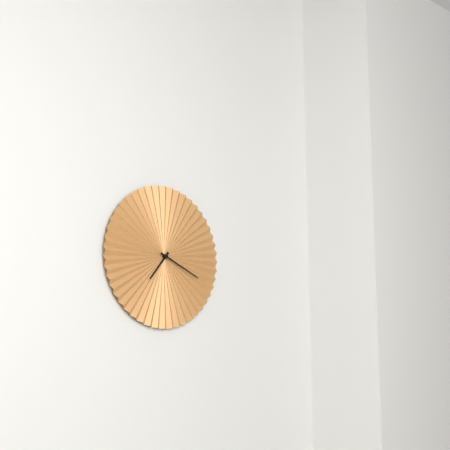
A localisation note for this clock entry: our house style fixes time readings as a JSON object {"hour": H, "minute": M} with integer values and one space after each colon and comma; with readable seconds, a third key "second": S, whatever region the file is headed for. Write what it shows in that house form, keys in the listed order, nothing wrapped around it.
{"hour": 7, "minute": 19}
